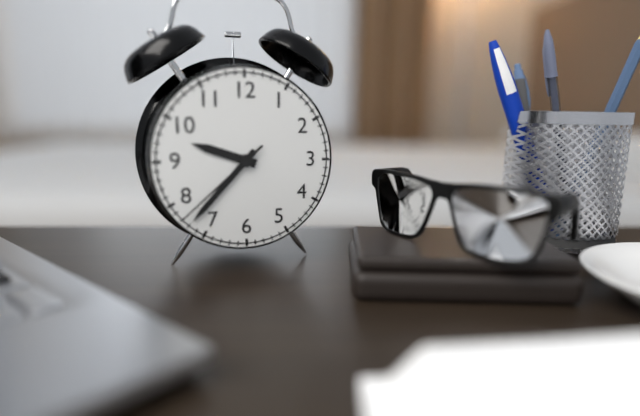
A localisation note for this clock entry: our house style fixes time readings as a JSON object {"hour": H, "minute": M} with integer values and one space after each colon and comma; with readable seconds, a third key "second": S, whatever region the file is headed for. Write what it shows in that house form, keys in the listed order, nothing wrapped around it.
{"hour": 9, "minute": 37, "second": 38}
